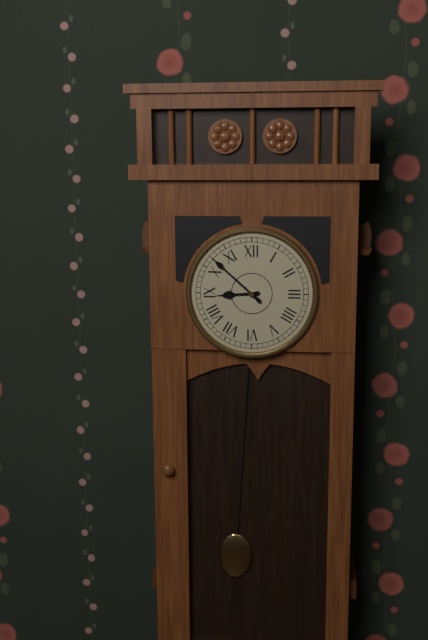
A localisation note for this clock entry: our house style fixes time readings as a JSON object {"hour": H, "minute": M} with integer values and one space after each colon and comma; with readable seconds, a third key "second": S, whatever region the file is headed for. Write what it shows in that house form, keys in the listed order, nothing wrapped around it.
{"hour": 8, "minute": 52}
